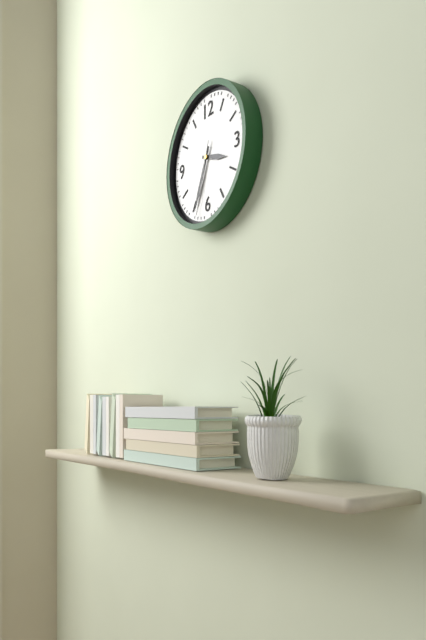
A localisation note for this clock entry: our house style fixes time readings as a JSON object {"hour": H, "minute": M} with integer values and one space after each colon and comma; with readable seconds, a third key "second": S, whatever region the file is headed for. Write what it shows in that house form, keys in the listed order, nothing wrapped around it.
{"hour": 3, "minute": 34, "second": 33}
